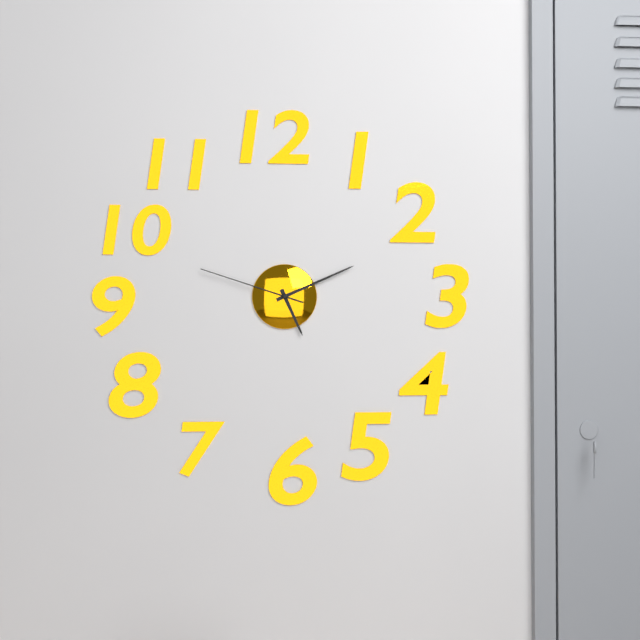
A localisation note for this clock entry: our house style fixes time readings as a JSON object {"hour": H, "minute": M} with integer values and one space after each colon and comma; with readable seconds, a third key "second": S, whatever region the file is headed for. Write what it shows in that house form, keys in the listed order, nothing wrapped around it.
{"hour": 5, "minute": 11, "second": 48}
